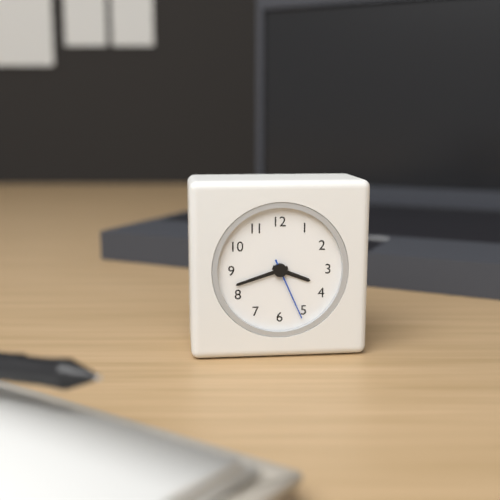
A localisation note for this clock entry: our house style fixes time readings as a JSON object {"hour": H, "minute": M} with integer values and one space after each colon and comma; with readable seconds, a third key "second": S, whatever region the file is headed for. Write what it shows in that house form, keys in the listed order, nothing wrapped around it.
{"hour": 3, "minute": 42, "second": 26}
